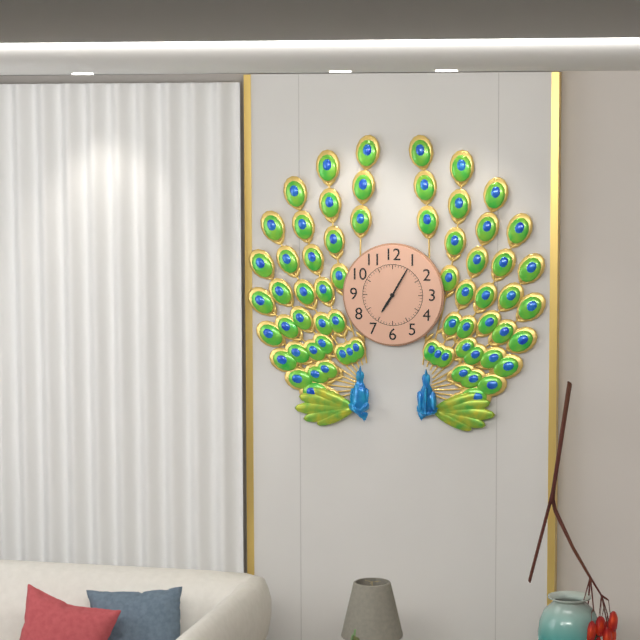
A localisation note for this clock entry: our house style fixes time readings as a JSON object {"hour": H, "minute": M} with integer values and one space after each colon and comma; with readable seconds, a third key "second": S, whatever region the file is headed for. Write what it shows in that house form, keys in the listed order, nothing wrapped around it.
{"hour": 7, "minute": 5}
